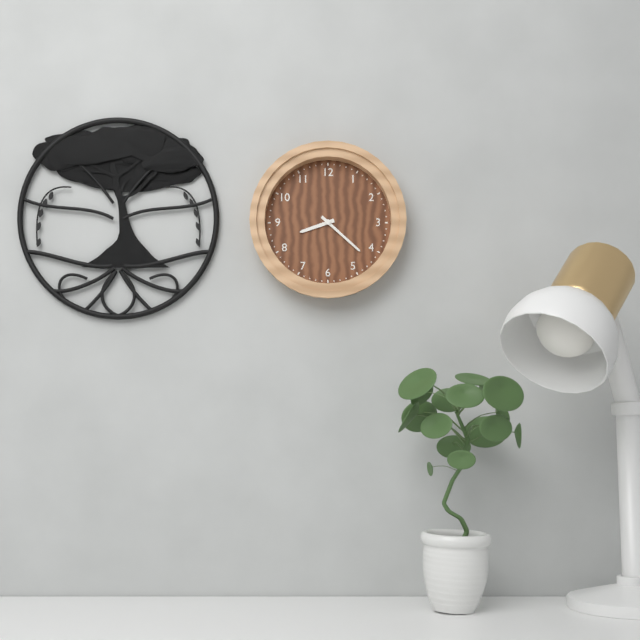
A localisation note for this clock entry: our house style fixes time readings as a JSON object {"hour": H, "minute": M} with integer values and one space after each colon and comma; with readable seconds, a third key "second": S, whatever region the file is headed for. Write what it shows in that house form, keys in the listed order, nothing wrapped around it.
{"hour": 8, "minute": 22}
